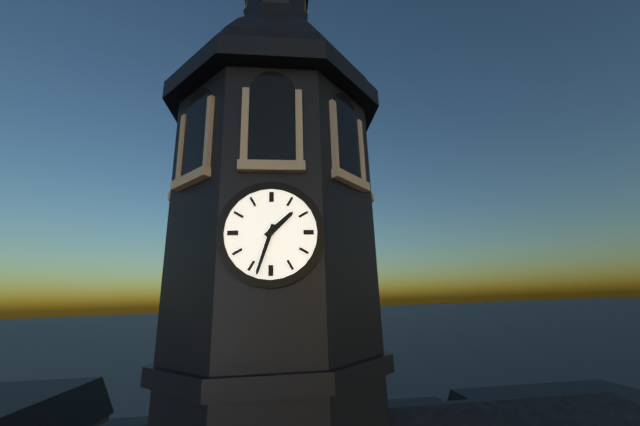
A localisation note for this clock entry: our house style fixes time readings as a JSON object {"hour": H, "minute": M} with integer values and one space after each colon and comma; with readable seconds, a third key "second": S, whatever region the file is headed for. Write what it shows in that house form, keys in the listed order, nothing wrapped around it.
{"hour": 1, "minute": 33}
